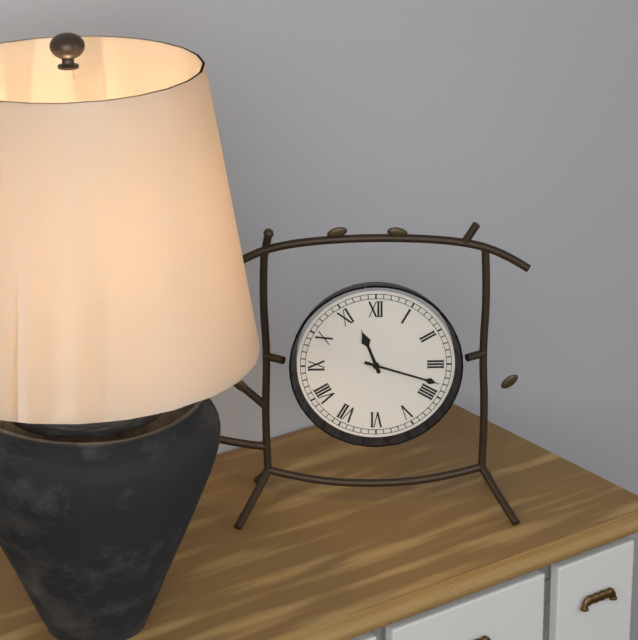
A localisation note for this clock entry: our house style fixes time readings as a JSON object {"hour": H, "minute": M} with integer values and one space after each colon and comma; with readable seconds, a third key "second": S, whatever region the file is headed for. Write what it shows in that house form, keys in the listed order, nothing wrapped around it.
{"hour": 11, "minute": 18}
